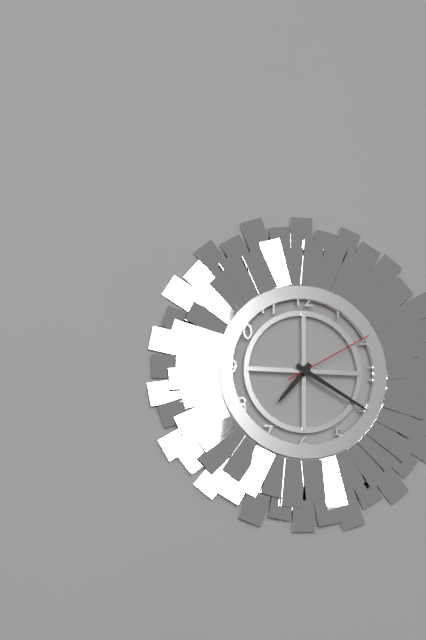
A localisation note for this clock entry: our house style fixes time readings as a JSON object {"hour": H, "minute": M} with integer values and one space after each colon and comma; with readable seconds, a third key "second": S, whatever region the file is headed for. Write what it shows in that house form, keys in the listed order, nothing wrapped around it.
{"hour": 7, "minute": 20, "second": 10}
